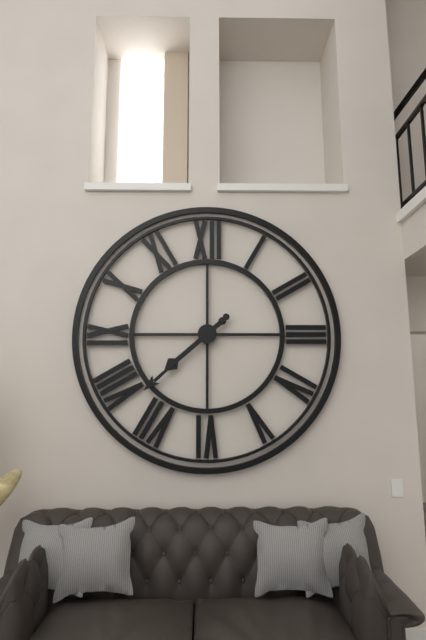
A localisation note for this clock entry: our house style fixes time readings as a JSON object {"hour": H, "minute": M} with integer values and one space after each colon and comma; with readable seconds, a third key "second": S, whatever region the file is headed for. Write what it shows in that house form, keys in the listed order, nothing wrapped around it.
{"hour": 7, "minute": 38}
